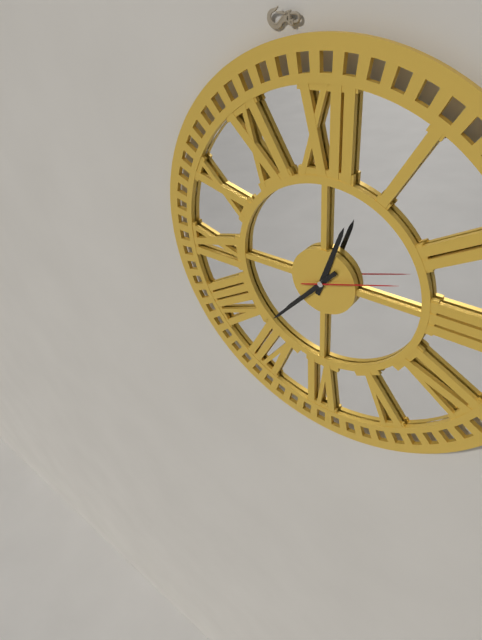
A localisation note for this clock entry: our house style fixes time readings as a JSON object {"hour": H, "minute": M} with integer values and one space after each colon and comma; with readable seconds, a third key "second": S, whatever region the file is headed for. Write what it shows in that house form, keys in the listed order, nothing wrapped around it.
{"hour": 12, "minute": 37, "second": 12}
